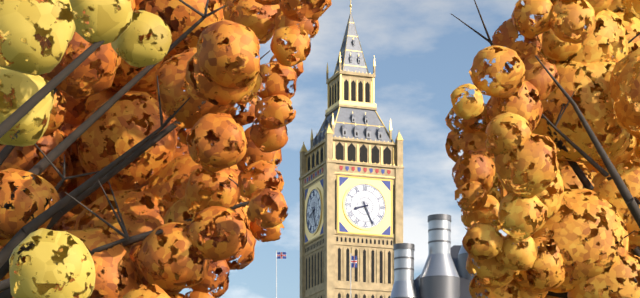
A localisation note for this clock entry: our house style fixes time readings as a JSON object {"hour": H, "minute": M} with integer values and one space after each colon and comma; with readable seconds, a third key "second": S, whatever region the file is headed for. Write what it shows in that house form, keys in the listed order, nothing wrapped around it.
{"hour": 8, "minute": 26}
